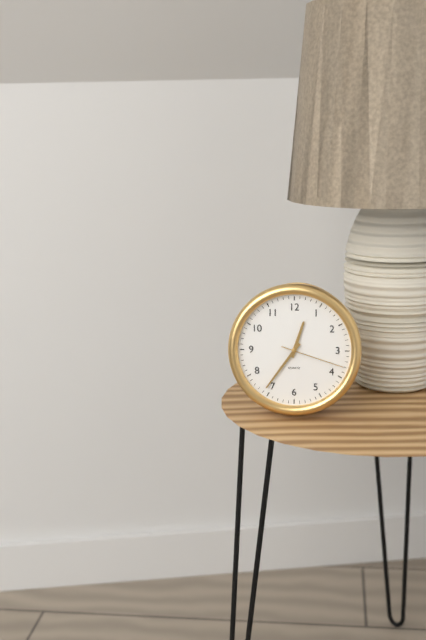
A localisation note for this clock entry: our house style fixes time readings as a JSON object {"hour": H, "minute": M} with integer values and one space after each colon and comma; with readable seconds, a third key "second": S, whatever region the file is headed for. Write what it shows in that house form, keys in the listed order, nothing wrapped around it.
{"hour": 12, "minute": 36, "second": 18}
